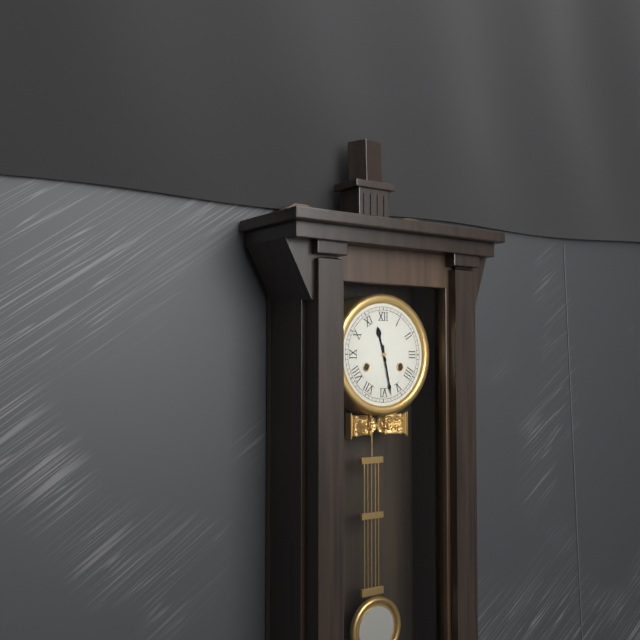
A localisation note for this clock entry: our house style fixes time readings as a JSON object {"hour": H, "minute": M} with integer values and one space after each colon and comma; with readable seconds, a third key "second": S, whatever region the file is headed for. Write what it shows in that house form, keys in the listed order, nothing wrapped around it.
{"hour": 11, "minute": 28}
